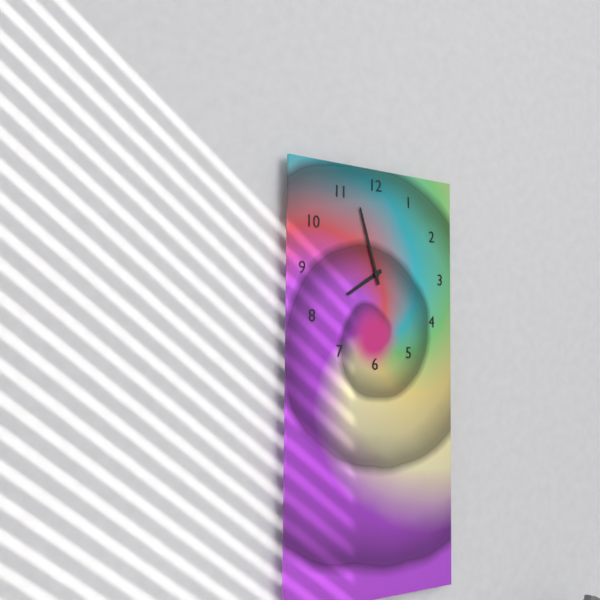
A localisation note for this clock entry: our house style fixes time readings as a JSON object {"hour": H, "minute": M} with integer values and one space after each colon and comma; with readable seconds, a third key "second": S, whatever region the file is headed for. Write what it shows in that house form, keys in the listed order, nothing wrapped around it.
{"hour": 7, "minute": 57}
